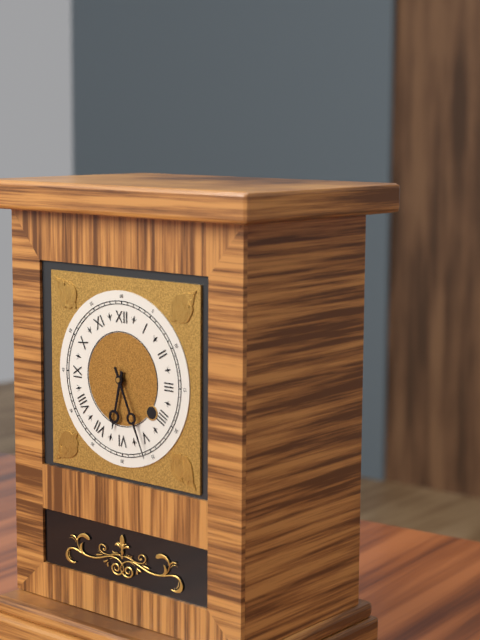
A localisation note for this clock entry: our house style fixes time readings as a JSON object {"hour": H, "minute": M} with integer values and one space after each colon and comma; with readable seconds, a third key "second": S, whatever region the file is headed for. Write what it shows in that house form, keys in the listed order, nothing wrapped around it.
{"hour": 6, "minute": 26}
